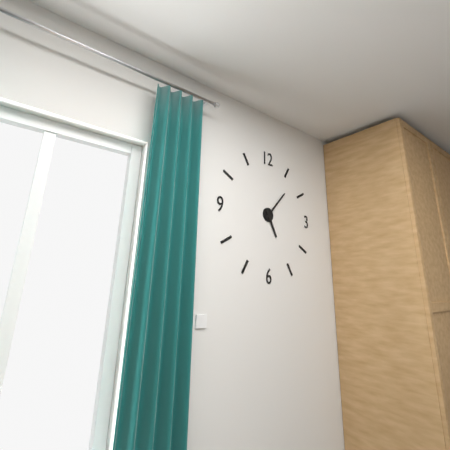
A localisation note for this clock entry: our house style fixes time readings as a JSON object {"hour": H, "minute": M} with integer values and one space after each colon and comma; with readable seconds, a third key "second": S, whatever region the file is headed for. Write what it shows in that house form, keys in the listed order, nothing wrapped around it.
{"hour": 5, "minute": 7}
